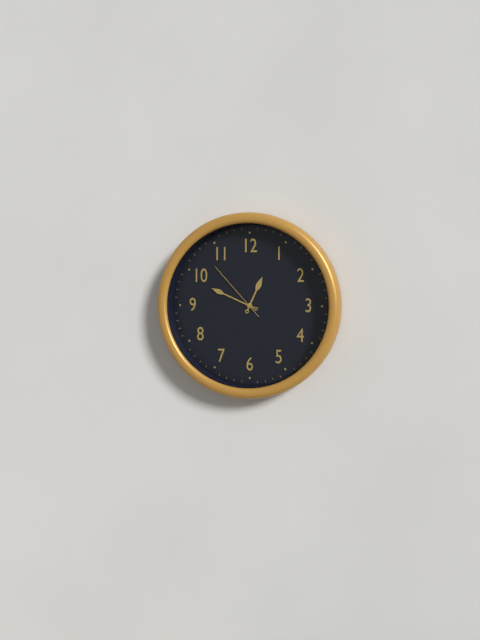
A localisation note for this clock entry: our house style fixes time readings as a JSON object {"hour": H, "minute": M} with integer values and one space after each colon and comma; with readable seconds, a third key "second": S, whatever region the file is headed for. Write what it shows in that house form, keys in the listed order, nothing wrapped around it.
{"hour": 12, "minute": 49, "second": 53}
